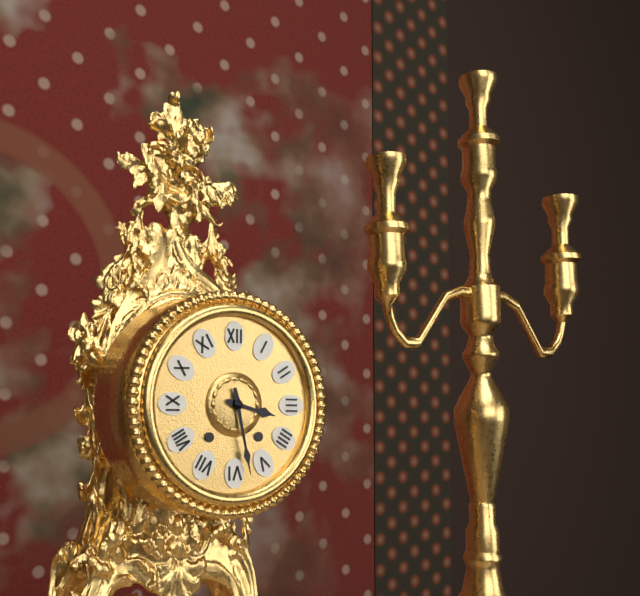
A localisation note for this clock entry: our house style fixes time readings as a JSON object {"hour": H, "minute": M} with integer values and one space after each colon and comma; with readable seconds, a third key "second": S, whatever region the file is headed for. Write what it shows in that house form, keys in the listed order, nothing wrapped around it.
{"hour": 3, "minute": 28}
